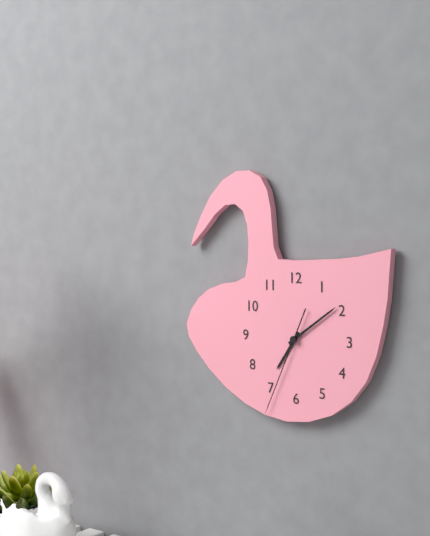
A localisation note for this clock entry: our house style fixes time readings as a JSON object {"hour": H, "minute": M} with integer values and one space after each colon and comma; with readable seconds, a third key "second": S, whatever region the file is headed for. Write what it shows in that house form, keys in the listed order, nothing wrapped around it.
{"hour": 7, "minute": 9, "second": 34}
